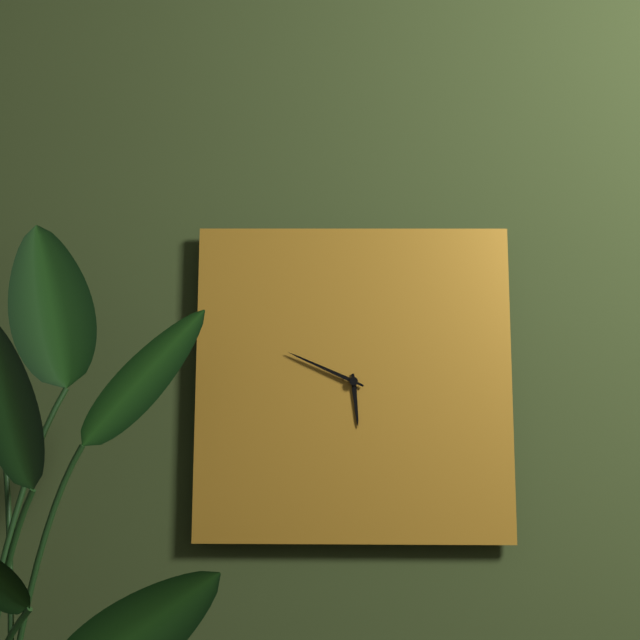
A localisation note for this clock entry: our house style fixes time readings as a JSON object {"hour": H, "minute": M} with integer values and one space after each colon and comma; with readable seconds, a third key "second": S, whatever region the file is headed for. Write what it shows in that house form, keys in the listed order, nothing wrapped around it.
{"hour": 5, "minute": 49}
